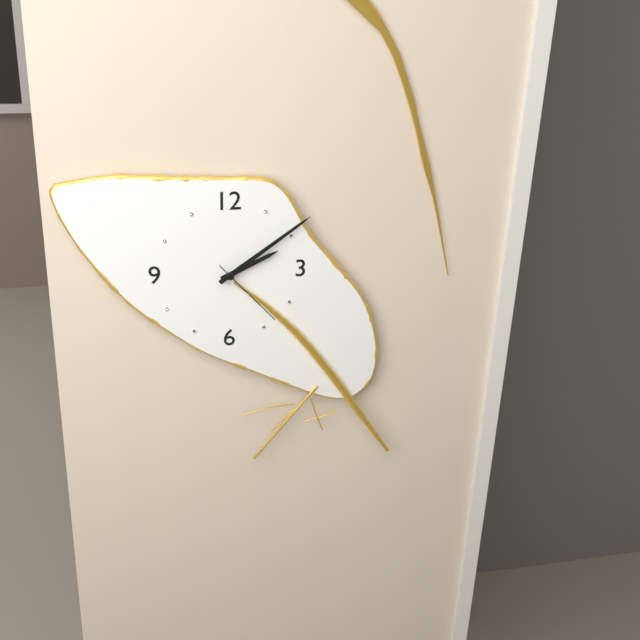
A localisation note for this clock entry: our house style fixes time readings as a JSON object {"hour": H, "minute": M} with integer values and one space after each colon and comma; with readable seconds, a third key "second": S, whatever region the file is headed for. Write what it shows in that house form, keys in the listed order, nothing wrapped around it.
{"hour": 2, "minute": 9, "second": 23}
